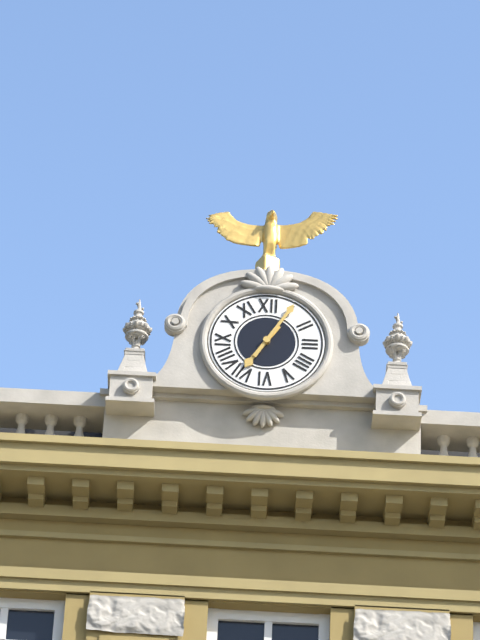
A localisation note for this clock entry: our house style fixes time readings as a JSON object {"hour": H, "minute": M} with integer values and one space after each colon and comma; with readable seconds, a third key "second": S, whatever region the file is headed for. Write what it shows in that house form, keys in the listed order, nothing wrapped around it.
{"hour": 7, "minute": 5}
